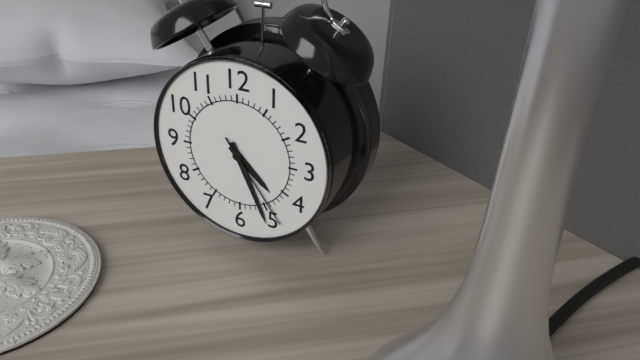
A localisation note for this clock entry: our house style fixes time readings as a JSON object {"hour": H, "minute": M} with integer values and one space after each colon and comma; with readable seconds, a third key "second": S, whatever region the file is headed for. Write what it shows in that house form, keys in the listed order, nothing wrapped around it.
{"hour": 4, "minute": 26, "second": 24}
